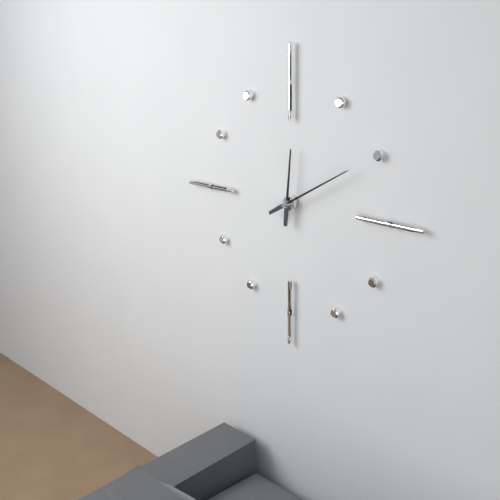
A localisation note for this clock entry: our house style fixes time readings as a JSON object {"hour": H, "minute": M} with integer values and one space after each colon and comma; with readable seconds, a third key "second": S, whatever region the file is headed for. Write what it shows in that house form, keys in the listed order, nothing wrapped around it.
{"hour": 12, "minute": 10}
